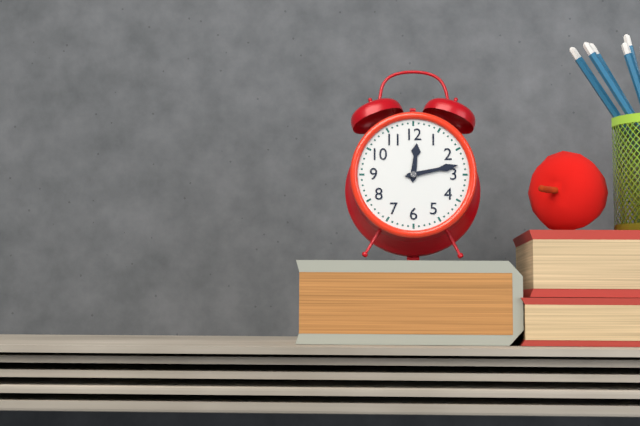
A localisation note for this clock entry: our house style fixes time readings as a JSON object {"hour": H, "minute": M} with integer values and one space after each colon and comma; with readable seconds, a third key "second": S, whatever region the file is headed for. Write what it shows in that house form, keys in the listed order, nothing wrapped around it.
{"hour": 12, "minute": 13}
